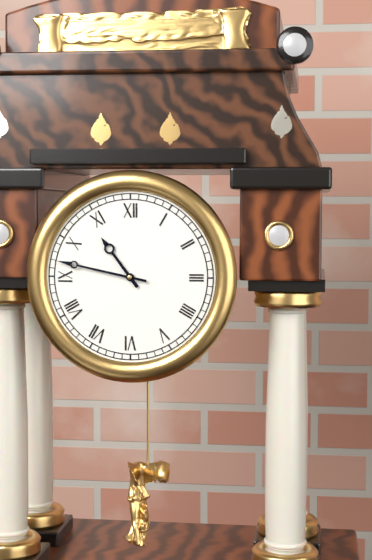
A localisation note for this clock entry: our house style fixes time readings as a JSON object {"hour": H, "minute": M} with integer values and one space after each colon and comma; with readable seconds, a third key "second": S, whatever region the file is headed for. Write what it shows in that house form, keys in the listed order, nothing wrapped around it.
{"hour": 10, "minute": 47}
